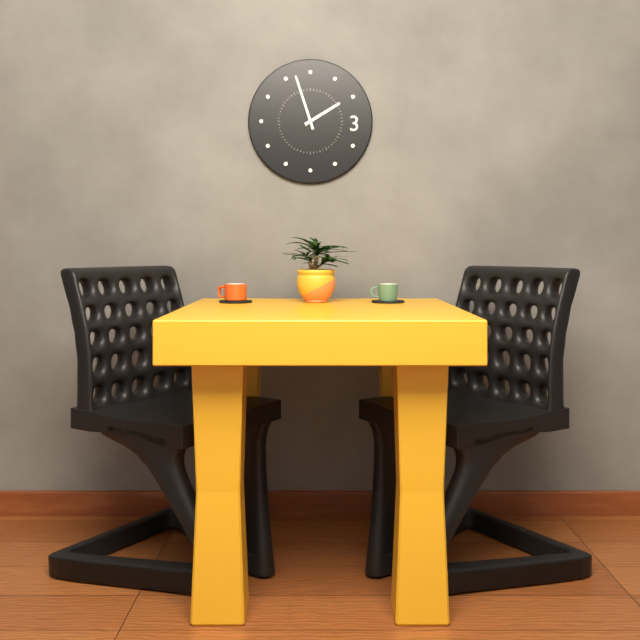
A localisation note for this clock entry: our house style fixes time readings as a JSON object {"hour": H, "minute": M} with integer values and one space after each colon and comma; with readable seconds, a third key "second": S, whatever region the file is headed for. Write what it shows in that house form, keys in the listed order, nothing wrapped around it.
{"hour": 1, "minute": 57}
